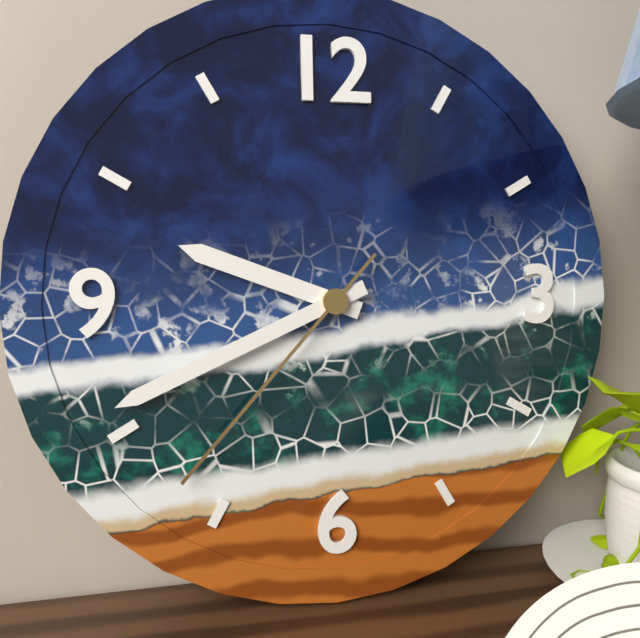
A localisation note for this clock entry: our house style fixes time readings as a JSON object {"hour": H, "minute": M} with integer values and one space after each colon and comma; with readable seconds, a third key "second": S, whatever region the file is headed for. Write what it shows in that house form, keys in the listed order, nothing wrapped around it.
{"hour": 9, "minute": 41, "second": 37}
